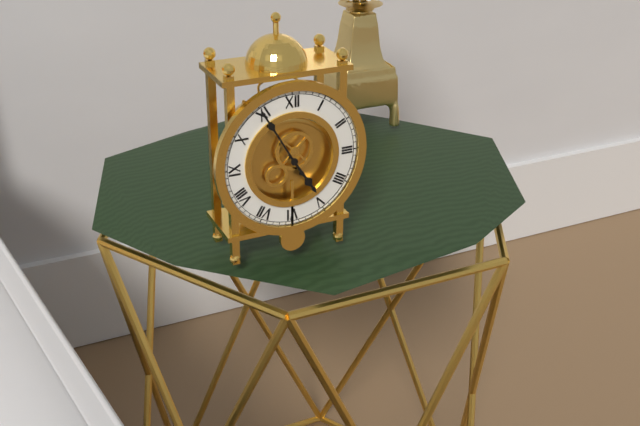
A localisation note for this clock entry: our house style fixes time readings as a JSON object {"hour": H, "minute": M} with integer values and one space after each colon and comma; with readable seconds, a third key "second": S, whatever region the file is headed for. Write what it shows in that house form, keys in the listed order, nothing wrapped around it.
{"hour": 4, "minute": 55}
